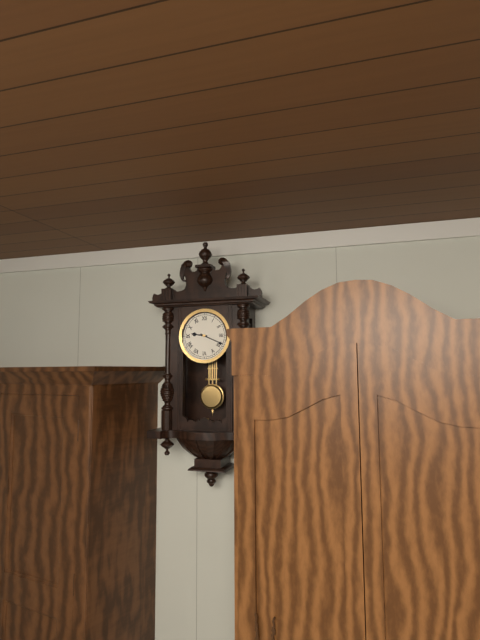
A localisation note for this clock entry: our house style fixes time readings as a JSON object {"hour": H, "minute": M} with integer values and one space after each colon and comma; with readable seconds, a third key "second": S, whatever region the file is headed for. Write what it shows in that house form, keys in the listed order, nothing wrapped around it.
{"hour": 9, "minute": 19}
